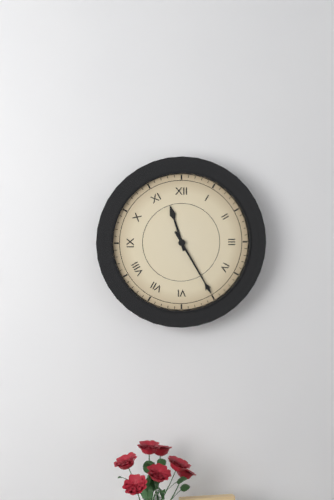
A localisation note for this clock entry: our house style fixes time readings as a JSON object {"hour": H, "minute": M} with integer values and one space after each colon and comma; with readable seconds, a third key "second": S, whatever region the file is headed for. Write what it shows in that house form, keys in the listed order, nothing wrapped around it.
{"hour": 11, "minute": 25}
